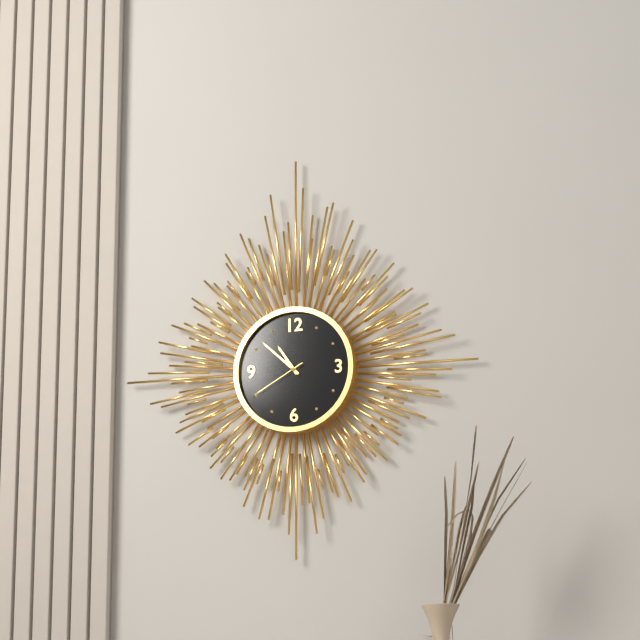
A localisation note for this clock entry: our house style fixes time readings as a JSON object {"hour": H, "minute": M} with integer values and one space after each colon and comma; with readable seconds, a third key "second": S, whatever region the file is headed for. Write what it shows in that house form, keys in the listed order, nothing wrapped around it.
{"hour": 10, "minute": 52, "second": 40}
